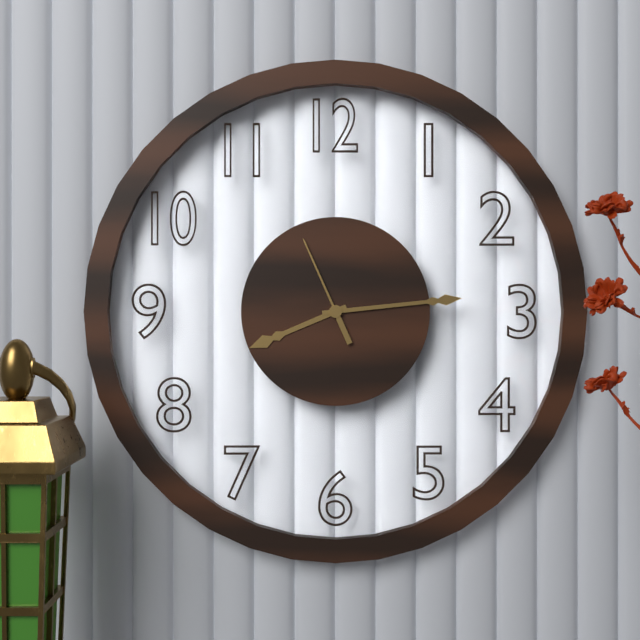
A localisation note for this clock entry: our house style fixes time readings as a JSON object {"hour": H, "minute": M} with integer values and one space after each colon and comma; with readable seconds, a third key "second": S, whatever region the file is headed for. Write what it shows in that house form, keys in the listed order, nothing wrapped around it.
{"hour": 8, "minute": 14, "second": 56}
